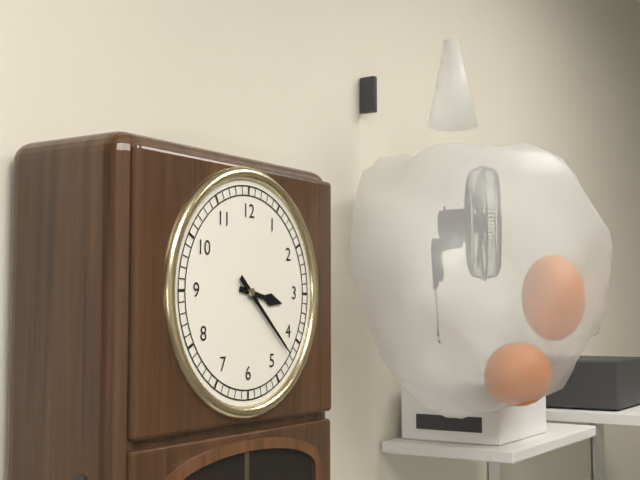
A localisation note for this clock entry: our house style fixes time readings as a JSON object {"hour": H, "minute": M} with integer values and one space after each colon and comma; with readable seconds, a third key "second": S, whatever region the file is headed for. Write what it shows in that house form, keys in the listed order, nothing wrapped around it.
{"hour": 3, "minute": 22}
